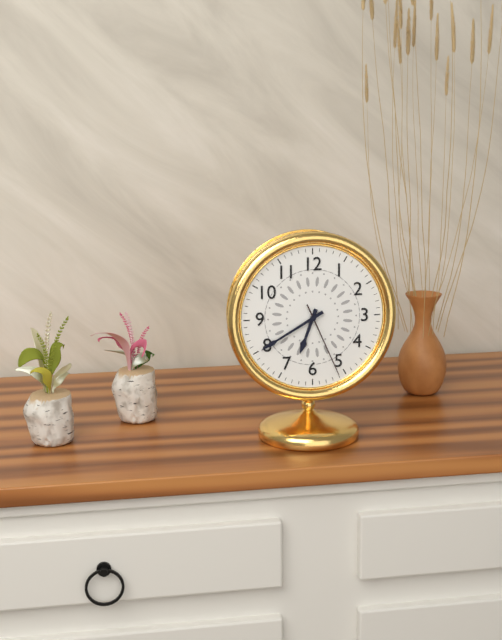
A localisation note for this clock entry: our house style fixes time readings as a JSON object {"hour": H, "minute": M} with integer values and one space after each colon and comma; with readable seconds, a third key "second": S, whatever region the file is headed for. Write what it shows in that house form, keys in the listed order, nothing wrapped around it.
{"hour": 6, "minute": 40, "second": 26}
